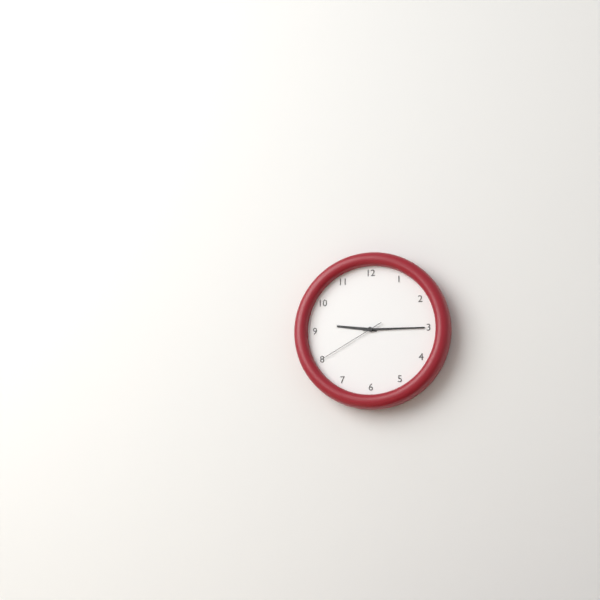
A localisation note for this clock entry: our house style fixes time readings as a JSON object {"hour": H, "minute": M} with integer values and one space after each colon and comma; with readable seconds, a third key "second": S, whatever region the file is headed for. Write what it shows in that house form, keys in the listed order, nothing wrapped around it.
{"hour": 9, "minute": 15, "second": 40}
